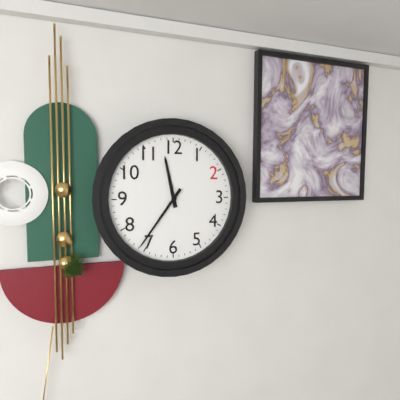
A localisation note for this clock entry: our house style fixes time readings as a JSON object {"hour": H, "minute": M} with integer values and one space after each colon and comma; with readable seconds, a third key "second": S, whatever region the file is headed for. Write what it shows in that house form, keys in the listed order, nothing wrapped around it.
{"hour": 11, "minute": 36}
